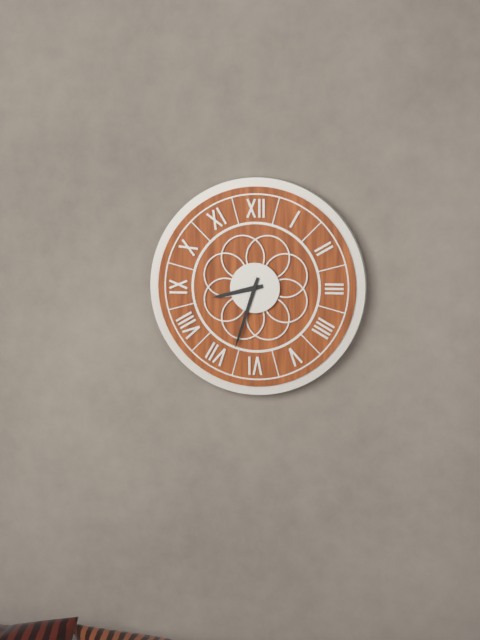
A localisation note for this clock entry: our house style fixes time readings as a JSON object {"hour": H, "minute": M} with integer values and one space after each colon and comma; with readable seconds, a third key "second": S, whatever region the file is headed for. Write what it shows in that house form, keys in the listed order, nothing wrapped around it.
{"hour": 8, "minute": 33}
